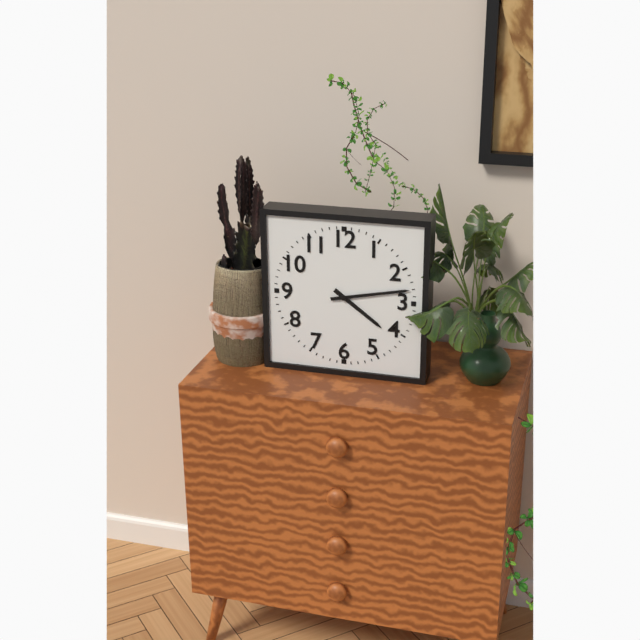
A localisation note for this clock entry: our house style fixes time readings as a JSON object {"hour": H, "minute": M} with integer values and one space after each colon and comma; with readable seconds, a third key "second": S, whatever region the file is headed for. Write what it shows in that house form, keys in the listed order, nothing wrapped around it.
{"hour": 4, "minute": 13}
